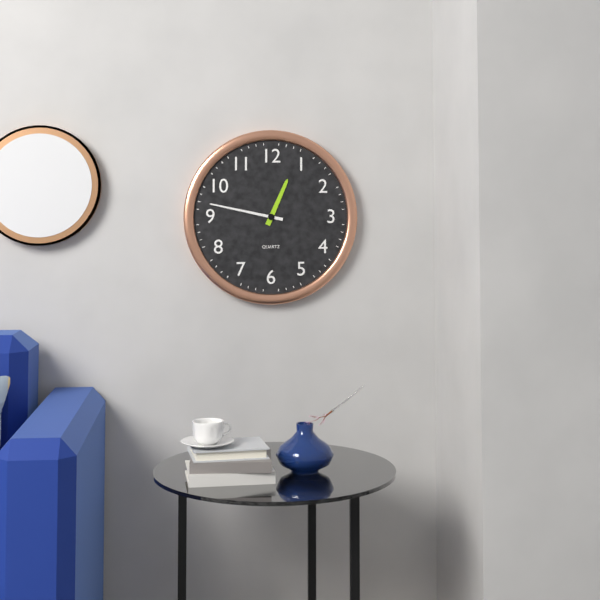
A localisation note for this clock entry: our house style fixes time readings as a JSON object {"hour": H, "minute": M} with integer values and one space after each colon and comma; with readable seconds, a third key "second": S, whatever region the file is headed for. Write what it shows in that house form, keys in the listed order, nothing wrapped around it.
{"hour": 12, "minute": 47}
